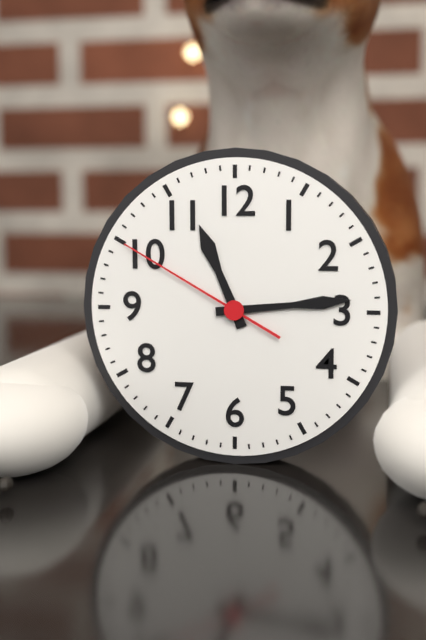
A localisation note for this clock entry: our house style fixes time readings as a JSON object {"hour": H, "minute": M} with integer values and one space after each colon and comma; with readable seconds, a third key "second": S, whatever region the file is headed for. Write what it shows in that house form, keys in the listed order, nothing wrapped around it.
{"hour": 11, "minute": 14, "second": 50}
